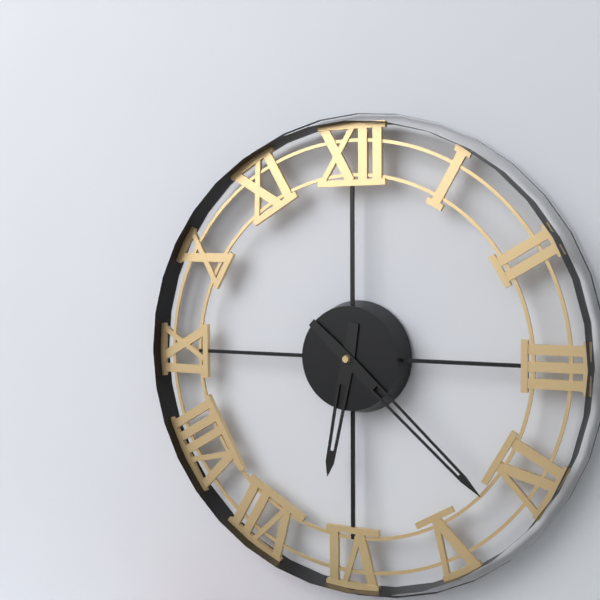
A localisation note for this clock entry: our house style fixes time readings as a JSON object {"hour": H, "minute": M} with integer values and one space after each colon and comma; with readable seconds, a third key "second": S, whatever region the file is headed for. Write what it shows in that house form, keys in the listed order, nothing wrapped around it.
{"hour": 6, "minute": 22}
